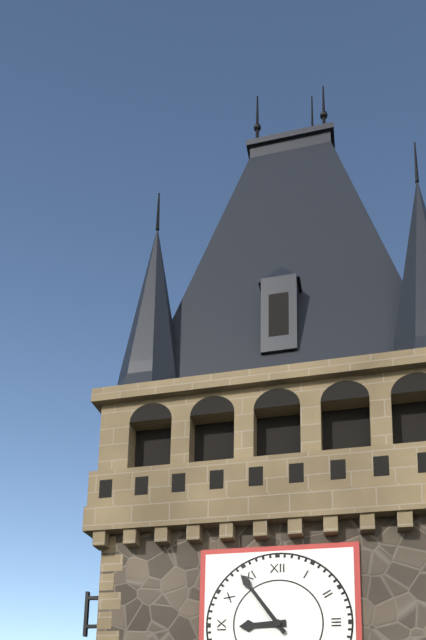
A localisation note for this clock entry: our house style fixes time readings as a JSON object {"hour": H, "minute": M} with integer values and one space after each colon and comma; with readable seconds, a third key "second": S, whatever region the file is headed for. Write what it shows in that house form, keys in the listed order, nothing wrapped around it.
{"hour": 8, "minute": 54}
